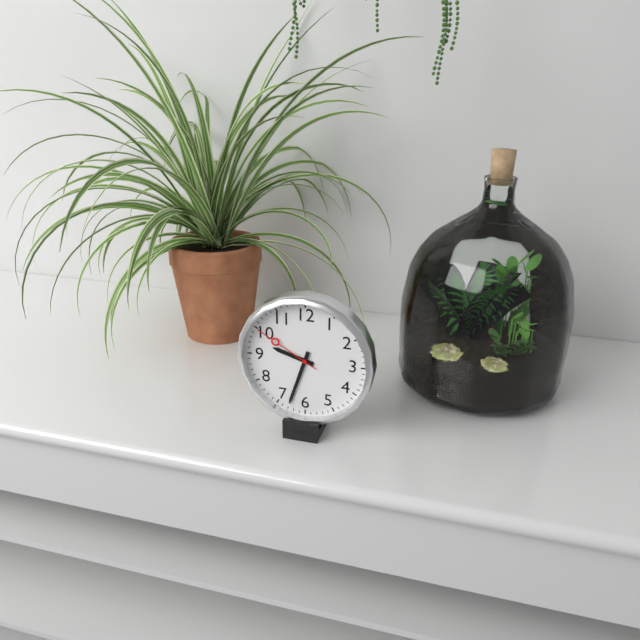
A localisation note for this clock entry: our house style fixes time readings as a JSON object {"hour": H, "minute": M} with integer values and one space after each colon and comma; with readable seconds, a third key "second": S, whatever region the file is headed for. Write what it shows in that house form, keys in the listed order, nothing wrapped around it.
{"hour": 9, "minute": 33, "second": 50}
